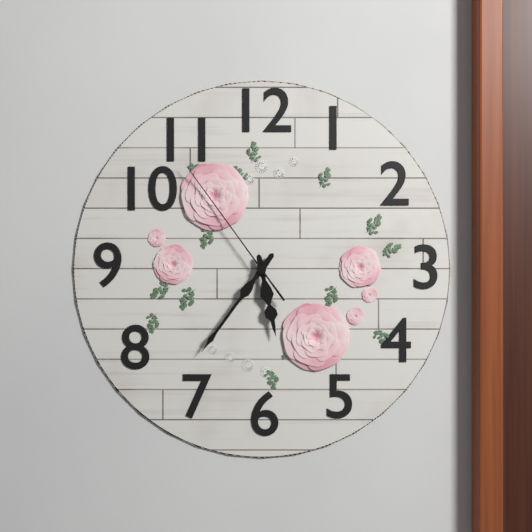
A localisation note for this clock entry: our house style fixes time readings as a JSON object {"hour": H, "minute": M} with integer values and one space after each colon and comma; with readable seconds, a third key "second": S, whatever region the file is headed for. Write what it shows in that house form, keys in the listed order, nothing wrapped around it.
{"hour": 5, "minute": 36, "second": 54}
